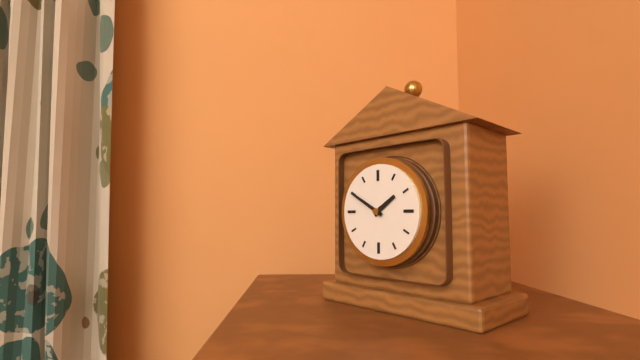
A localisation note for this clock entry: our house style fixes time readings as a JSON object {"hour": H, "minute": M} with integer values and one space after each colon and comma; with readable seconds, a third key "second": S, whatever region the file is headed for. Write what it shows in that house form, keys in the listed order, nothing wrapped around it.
{"hour": 1, "minute": 50}
